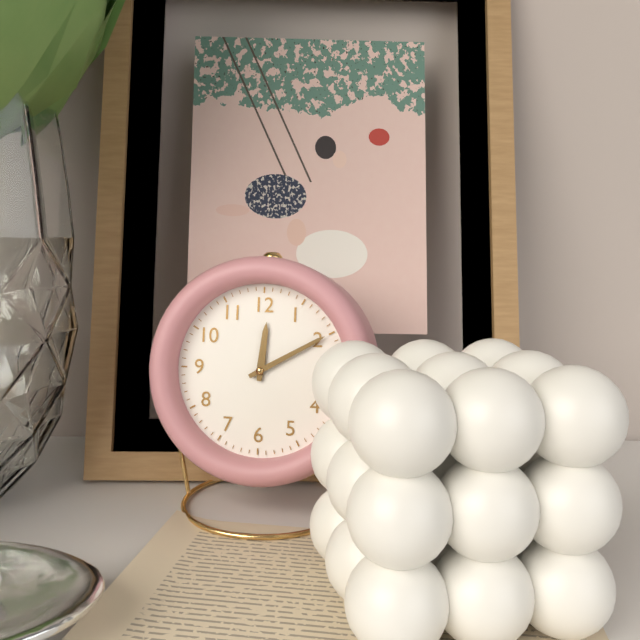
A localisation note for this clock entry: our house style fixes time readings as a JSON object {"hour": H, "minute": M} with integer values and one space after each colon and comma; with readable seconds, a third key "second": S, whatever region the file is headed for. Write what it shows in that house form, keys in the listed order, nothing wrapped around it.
{"hour": 12, "minute": 10}
